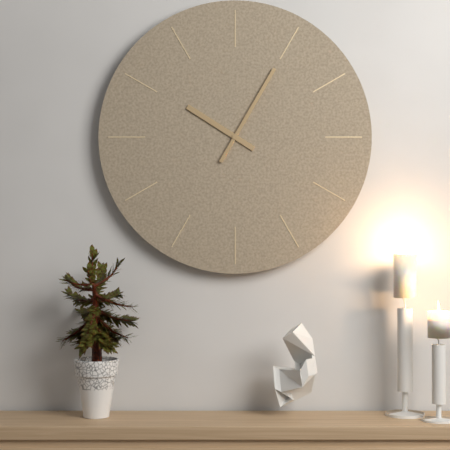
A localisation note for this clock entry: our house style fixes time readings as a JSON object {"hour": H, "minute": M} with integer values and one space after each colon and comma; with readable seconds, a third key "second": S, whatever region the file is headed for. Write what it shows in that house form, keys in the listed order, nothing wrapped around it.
{"hour": 10, "minute": 5}
